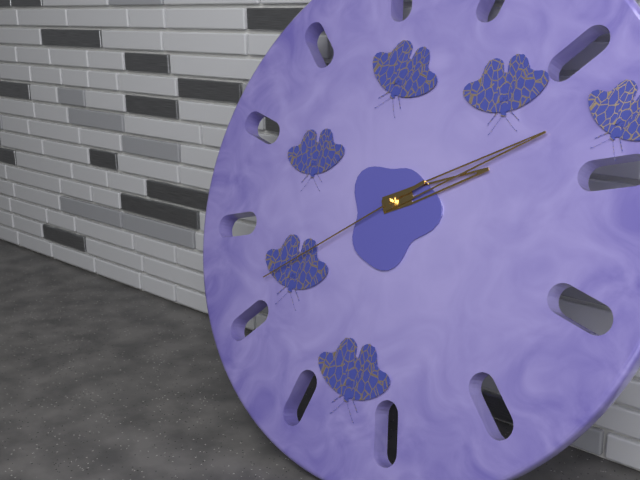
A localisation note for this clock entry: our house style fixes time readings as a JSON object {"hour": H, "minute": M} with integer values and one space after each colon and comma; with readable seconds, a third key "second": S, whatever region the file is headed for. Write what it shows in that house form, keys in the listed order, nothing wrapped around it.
{"hour": 2, "minute": 10, "second": 39}
